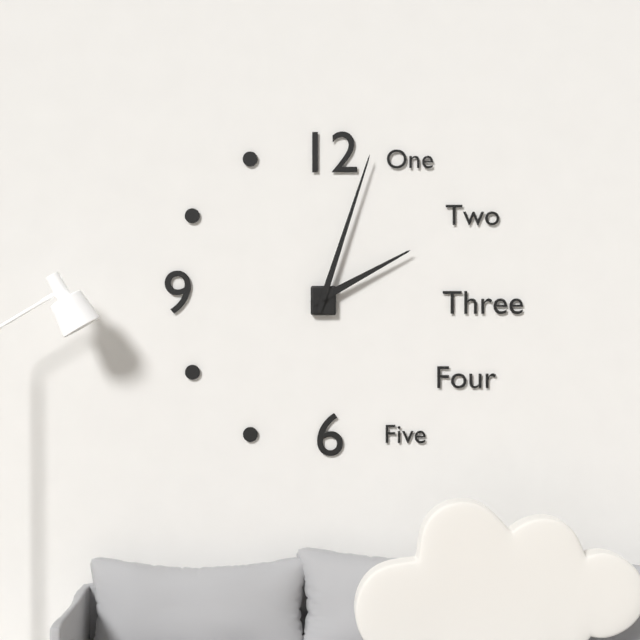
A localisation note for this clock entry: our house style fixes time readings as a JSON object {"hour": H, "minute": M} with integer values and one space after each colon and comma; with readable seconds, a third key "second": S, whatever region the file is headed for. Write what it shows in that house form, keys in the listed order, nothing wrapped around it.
{"hour": 2, "minute": 3}
